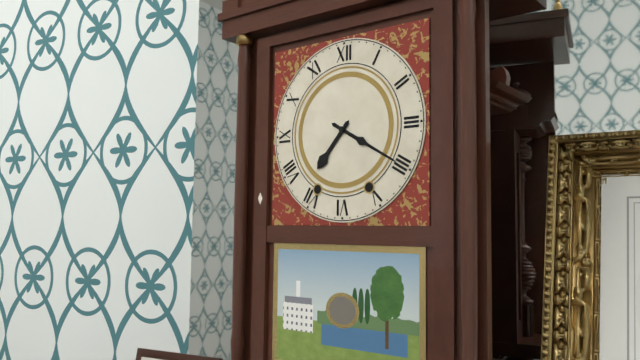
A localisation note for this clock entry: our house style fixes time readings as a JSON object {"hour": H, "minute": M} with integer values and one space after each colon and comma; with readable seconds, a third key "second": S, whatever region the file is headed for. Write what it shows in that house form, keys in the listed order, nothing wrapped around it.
{"hour": 7, "minute": 20}
